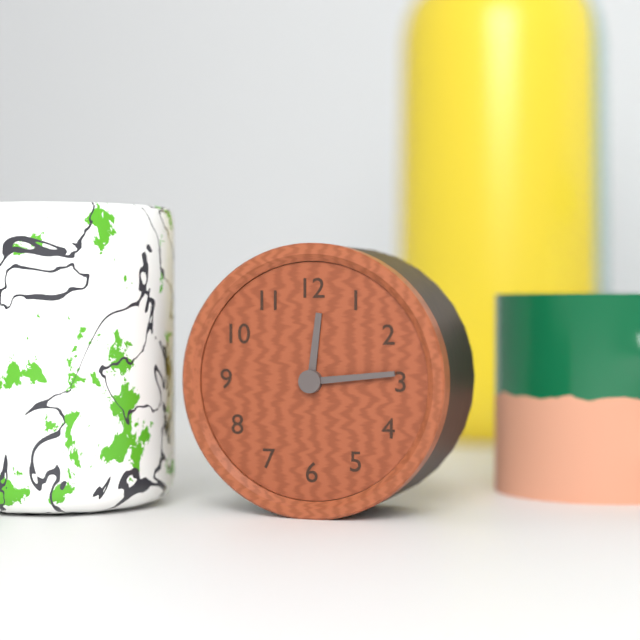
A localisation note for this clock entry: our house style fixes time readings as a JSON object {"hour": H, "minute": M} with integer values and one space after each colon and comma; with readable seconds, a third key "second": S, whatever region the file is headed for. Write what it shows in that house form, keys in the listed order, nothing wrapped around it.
{"hour": 12, "minute": 14}
